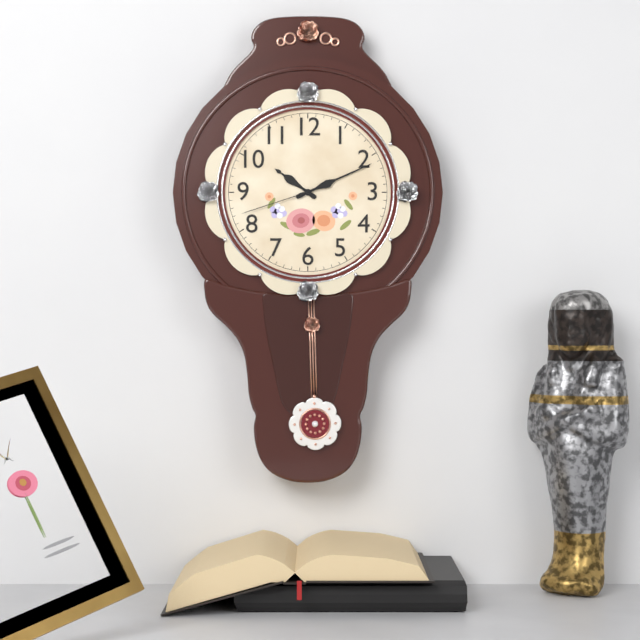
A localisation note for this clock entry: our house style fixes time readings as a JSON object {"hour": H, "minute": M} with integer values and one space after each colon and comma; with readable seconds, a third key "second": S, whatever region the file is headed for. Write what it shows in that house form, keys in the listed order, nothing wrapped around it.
{"hour": 10, "minute": 11, "second": 42}
